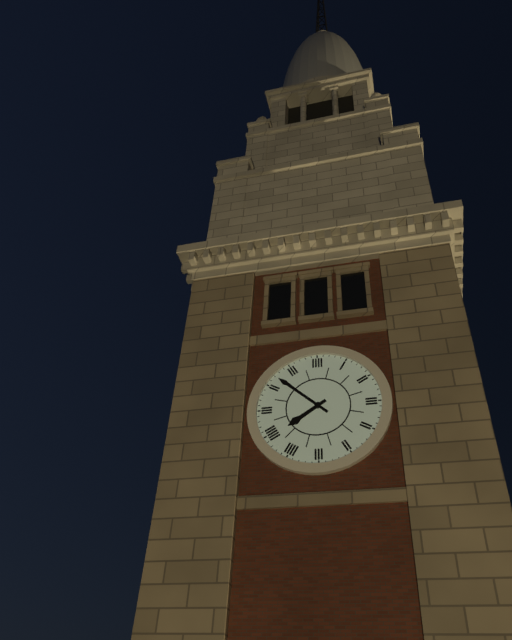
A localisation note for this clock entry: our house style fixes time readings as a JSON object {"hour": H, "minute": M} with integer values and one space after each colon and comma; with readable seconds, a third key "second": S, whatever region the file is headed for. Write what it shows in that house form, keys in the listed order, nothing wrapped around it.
{"hour": 7, "minute": 52}
